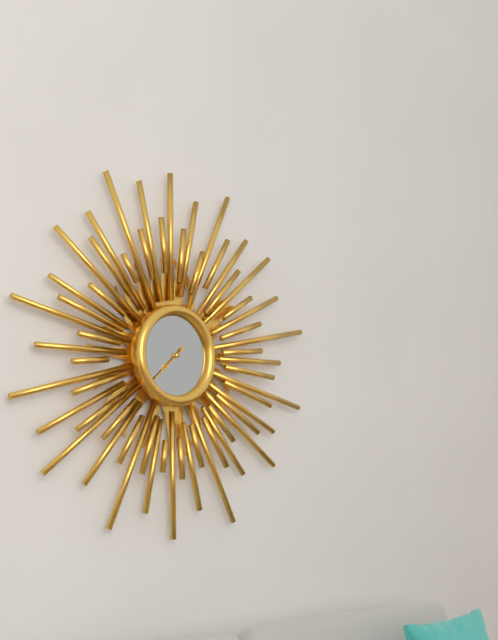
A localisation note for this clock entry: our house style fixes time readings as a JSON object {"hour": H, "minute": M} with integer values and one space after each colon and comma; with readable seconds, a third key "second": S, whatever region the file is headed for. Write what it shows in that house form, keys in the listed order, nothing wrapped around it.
{"hour": 7, "minute": 38}
